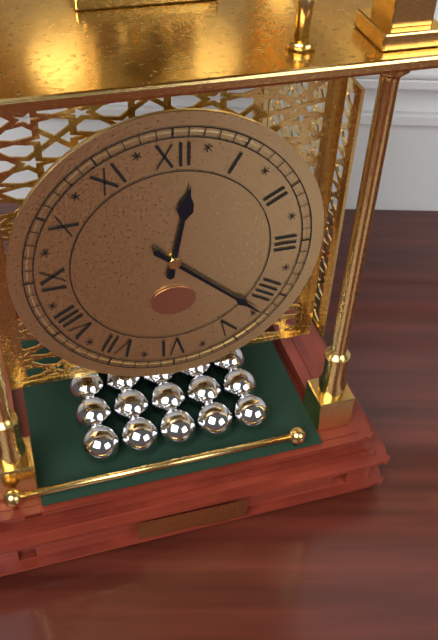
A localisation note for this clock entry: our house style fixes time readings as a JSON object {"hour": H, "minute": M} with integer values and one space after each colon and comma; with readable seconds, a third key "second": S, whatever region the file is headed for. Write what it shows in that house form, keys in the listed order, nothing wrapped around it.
{"hour": 12, "minute": 22}
